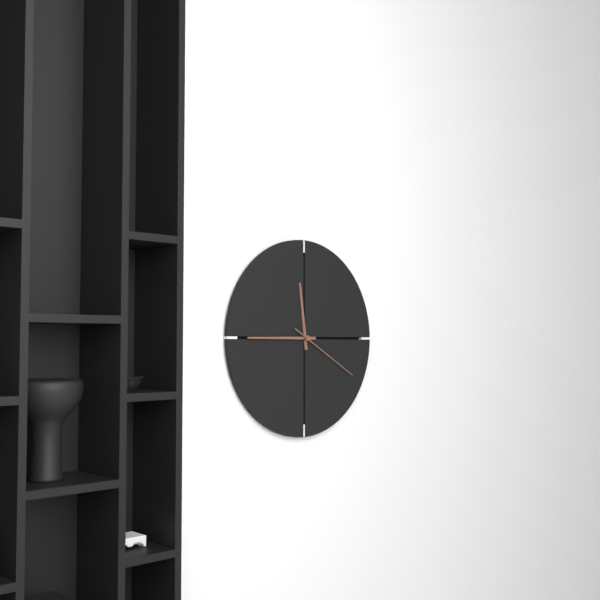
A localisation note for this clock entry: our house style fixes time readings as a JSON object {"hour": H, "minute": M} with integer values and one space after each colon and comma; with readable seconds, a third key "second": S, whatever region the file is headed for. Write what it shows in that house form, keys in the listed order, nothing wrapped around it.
{"hour": 11, "minute": 45, "second": 20}
